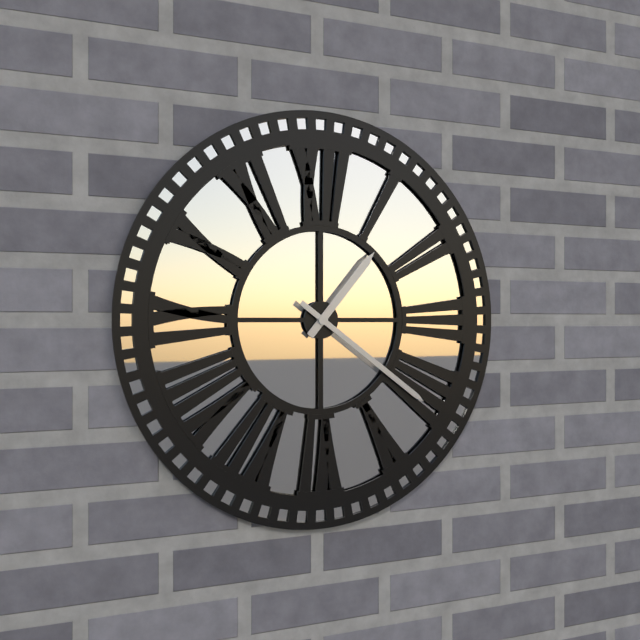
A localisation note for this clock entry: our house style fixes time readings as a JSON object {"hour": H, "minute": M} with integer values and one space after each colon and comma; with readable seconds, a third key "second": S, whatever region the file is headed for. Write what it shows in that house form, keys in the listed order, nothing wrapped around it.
{"hour": 1, "minute": 21}
